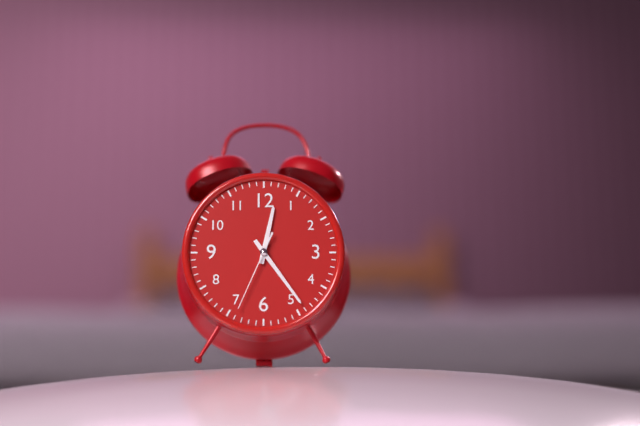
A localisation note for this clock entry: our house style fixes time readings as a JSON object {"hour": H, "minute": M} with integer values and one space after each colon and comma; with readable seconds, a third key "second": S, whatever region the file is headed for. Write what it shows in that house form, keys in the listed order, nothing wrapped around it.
{"hour": 12, "minute": 24, "second": 34}
